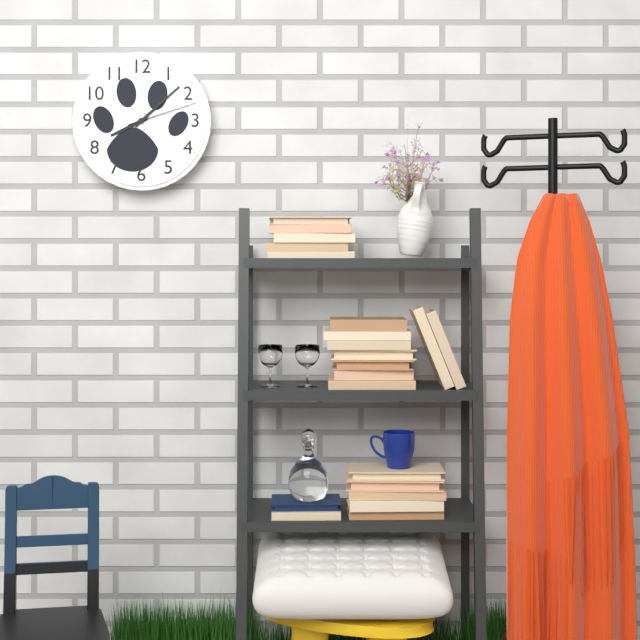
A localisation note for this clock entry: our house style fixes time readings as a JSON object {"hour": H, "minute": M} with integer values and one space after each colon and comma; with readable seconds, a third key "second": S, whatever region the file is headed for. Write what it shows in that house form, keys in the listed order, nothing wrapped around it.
{"hour": 8, "minute": 8, "second": 12}
